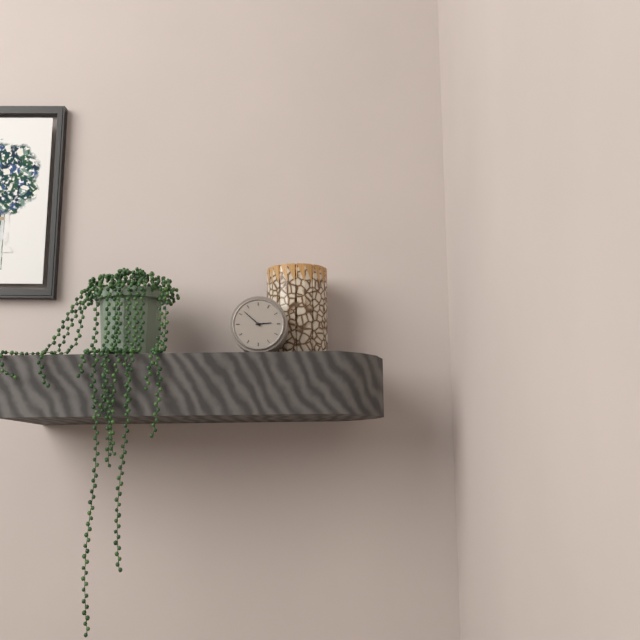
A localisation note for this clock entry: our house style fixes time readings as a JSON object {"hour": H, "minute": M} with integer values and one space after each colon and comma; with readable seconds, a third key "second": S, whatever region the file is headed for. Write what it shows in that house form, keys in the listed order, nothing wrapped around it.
{"hour": 2, "minute": 52}
